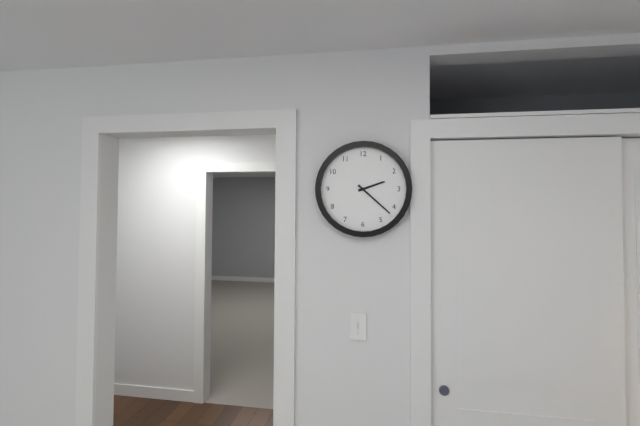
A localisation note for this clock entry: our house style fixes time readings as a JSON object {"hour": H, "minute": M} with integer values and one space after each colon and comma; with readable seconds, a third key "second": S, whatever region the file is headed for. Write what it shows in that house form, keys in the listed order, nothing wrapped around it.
{"hour": 2, "minute": 22}
